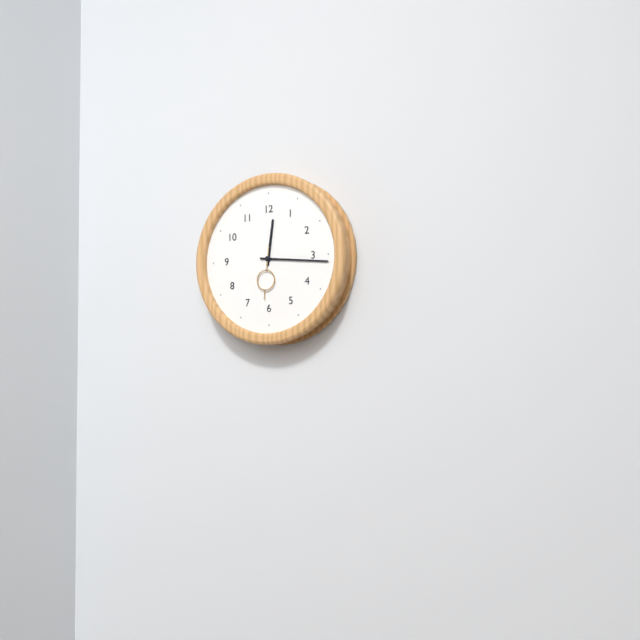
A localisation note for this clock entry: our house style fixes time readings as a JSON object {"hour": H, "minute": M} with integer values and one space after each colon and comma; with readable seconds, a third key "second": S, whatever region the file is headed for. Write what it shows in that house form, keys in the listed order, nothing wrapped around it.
{"hour": 12, "minute": 16, "second": 31}
